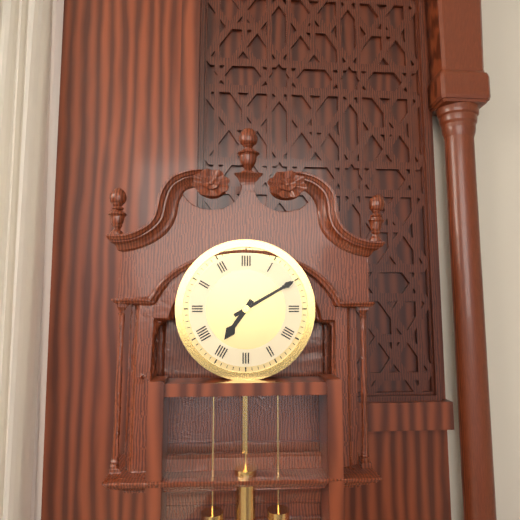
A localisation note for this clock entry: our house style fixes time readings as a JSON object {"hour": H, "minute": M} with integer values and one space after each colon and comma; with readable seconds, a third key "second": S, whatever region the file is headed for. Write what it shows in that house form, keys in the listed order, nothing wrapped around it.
{"hour": 7, "minute": 10}
